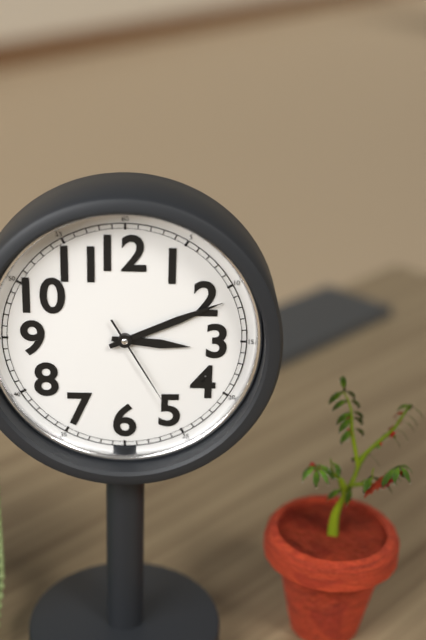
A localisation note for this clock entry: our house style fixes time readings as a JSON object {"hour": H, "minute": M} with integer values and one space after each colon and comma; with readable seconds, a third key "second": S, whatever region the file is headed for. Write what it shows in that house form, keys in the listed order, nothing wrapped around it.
{"hour": 3, "minute": 11, "second": 25}
